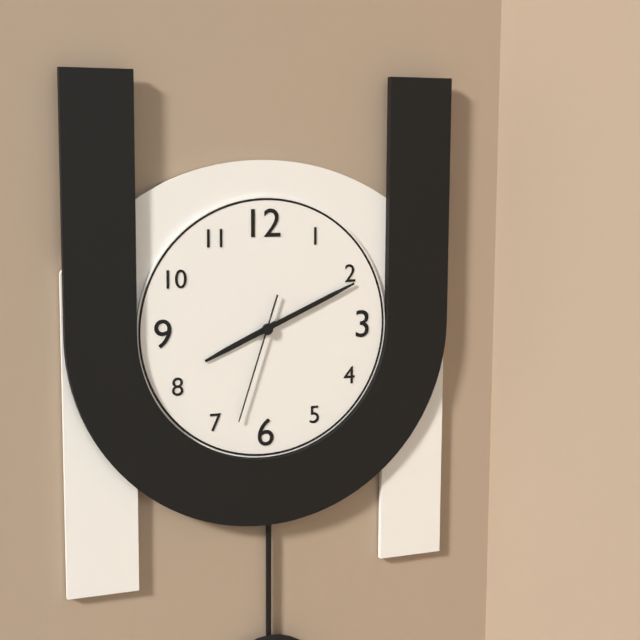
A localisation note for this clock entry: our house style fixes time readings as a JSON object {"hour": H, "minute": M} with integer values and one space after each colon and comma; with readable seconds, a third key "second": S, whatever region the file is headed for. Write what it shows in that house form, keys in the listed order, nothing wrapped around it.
{"hour": 8, "minute": 11, "second": 33}
